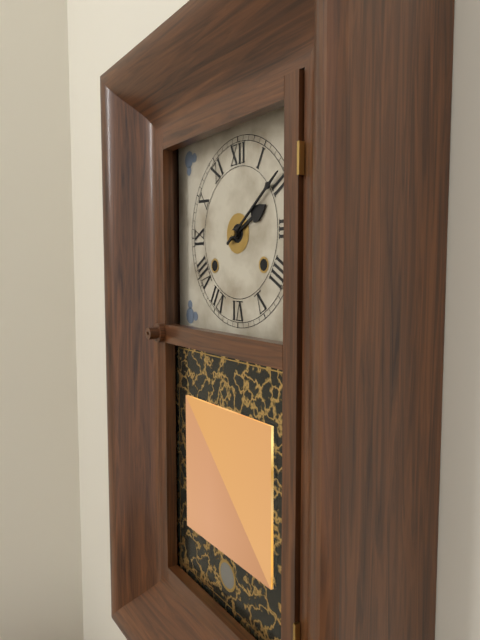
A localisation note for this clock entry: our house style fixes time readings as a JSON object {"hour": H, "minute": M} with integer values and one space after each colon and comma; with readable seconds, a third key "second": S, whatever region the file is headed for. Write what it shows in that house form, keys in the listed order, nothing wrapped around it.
{"hour": 2, "minute": 9}
